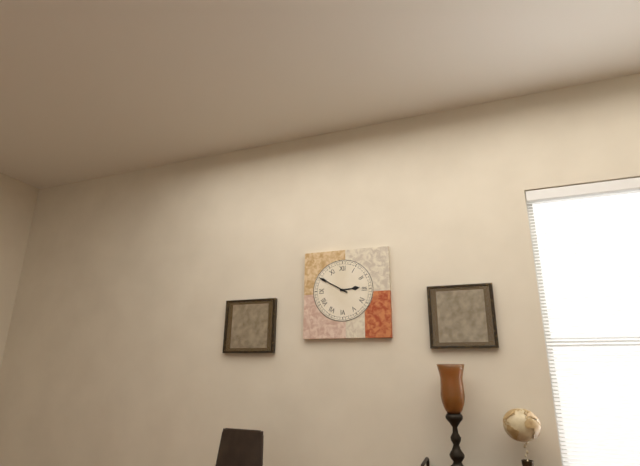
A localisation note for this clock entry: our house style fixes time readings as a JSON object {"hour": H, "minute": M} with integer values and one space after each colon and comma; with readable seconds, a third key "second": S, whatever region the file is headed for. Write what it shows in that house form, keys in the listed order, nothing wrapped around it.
{"hour": 2, "minute": 50}
